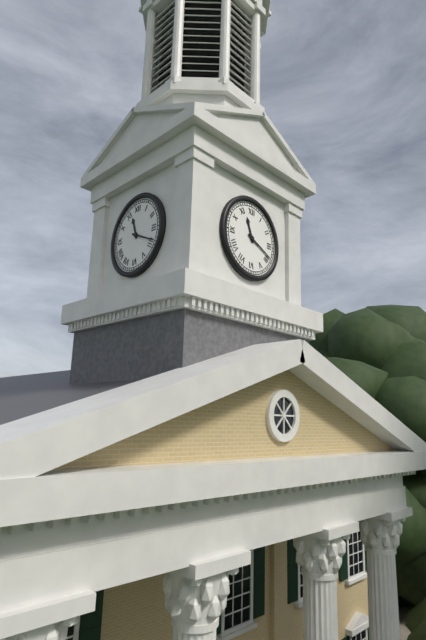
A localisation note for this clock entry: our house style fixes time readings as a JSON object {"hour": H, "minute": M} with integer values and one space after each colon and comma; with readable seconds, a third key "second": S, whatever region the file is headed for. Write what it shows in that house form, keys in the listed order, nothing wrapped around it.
{"hour": 11, "minute": 19}
